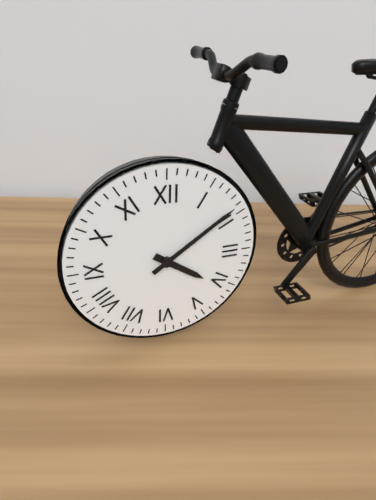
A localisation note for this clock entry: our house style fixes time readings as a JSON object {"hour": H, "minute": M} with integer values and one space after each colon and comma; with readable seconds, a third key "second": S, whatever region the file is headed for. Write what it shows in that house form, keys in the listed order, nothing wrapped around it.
{"hour": 4, "minute": 9}
